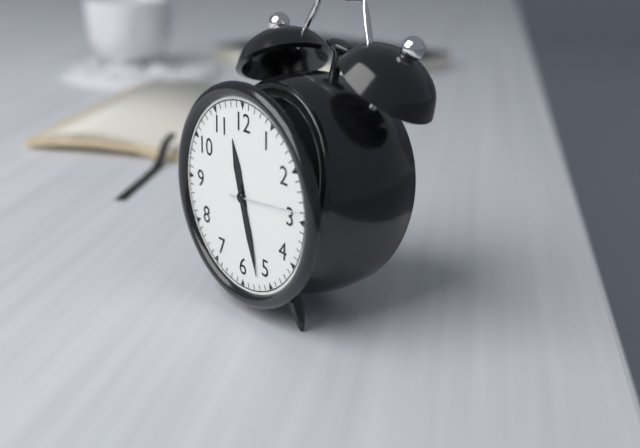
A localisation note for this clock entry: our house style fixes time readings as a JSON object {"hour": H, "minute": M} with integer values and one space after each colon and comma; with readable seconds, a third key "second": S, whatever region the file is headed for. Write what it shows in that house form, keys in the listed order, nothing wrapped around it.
{"hour": 11, "minute": 27, "second": 14}
